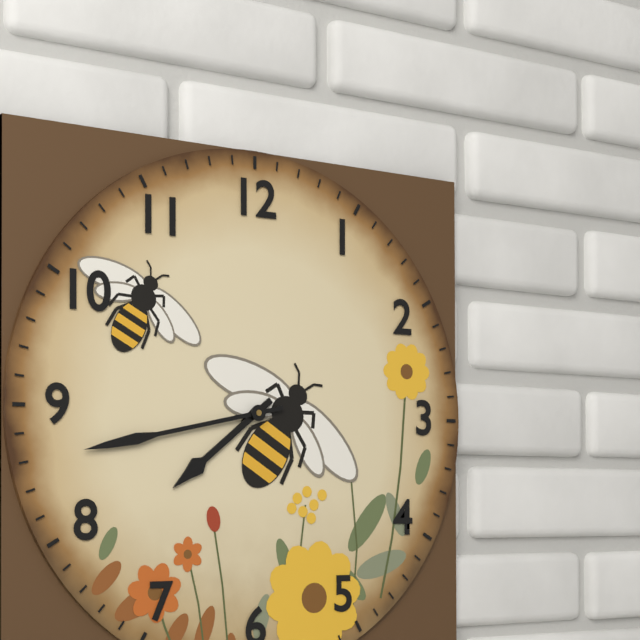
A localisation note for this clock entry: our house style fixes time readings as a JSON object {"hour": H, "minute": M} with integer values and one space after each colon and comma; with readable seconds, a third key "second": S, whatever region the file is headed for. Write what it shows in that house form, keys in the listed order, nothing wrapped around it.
{"hour": 7, "minute": 43}
